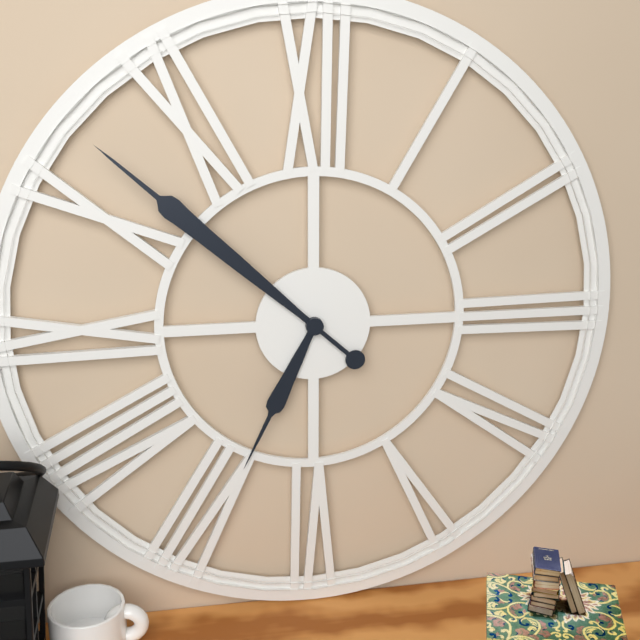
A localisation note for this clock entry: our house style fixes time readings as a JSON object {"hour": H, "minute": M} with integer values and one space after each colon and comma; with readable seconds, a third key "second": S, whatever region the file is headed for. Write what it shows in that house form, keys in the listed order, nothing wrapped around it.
{"hour": 6, "minute": 52}
